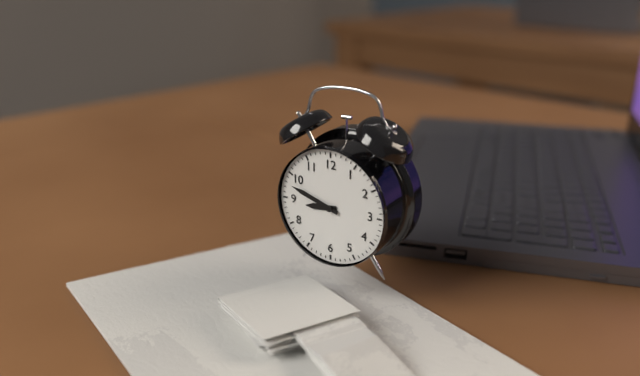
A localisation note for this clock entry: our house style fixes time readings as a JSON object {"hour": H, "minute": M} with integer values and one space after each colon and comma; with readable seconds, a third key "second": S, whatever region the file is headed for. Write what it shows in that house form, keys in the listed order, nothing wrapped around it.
{"hour": 8, "minute": 48}
